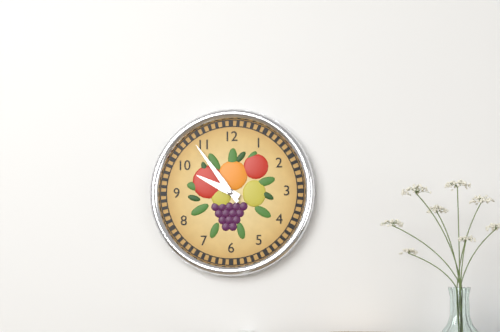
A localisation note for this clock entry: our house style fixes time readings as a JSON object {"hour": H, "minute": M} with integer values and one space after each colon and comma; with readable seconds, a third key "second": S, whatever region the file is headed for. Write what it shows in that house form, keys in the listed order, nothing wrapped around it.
{"hour": 9, "minute": 54}
